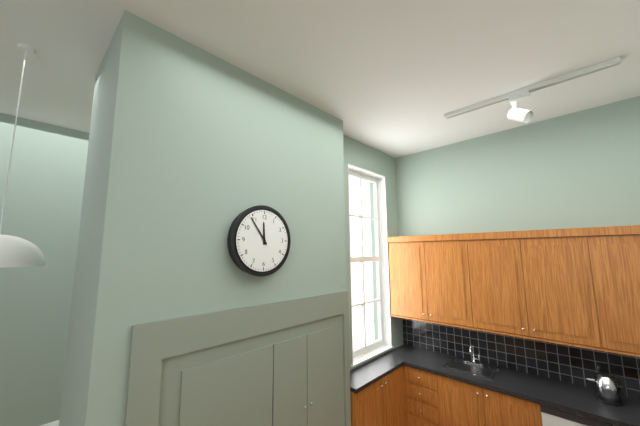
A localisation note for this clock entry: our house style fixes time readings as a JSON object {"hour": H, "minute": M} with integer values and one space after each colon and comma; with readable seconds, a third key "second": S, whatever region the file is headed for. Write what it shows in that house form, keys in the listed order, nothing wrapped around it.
{"hour": 11, "minute": 54}
